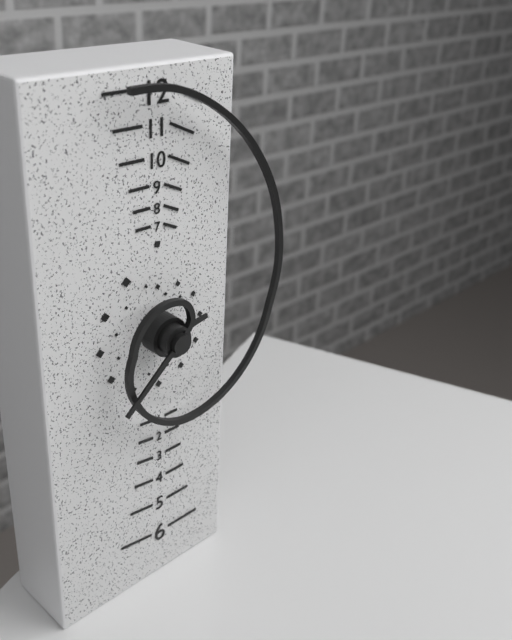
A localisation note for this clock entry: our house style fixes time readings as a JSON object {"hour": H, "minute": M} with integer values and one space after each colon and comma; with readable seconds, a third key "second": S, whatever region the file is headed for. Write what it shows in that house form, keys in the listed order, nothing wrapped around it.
{"hour": 2, "minute": 38}
